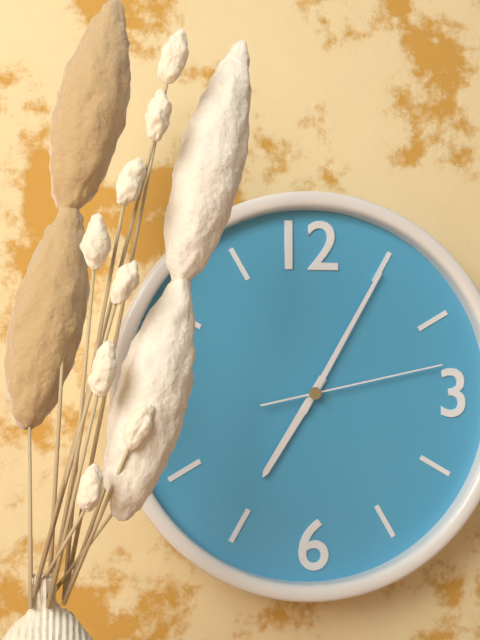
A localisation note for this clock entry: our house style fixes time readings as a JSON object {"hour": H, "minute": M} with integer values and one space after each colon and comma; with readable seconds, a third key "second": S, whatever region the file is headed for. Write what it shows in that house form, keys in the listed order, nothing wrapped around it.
{"hour": 7, "minute": 5, "second": 13}
